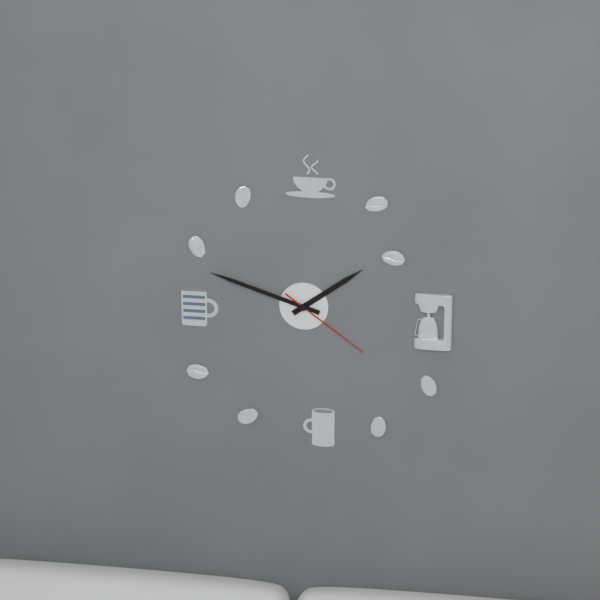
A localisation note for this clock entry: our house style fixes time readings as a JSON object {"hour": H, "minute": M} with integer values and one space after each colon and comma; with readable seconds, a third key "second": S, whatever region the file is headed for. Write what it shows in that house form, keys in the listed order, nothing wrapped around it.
{"hour": 1, "minute": 48, "second": 21}
